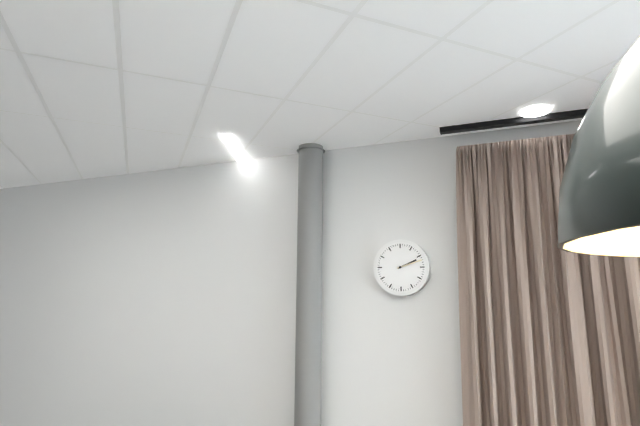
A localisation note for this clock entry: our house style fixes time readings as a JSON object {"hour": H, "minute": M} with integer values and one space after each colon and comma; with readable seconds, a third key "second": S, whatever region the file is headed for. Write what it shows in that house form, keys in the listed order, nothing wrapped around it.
{"hour": 2, "minute": 12}
